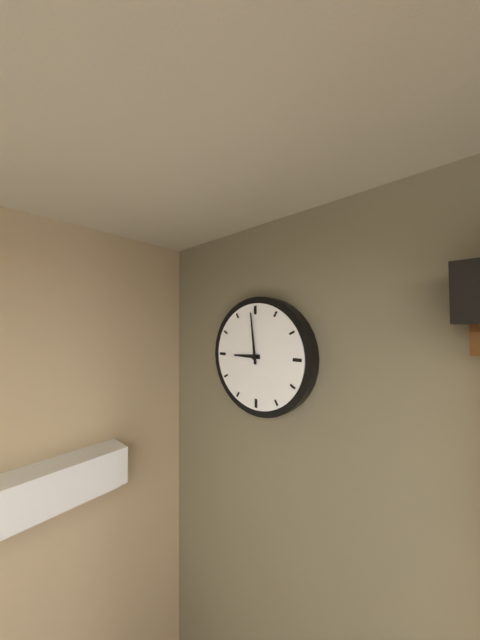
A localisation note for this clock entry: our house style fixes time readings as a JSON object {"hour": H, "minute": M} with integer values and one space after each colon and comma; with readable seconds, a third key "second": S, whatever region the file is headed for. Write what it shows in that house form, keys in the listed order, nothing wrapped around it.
{"hour": 8, "minute": 59}
